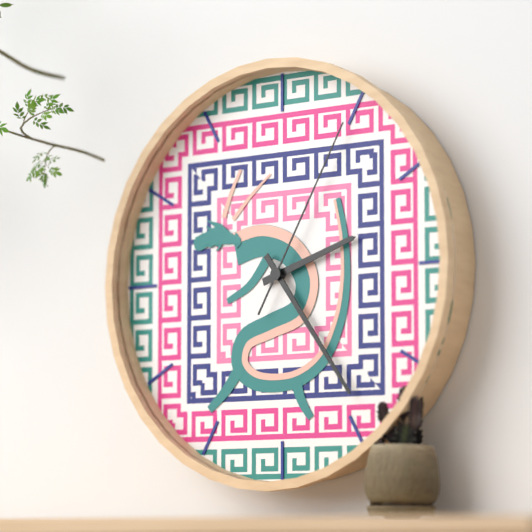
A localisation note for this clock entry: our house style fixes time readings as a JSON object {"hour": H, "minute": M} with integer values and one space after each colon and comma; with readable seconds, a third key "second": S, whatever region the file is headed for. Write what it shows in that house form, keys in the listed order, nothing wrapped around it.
{"hour": 2, "minute": 24, "second": 5}
